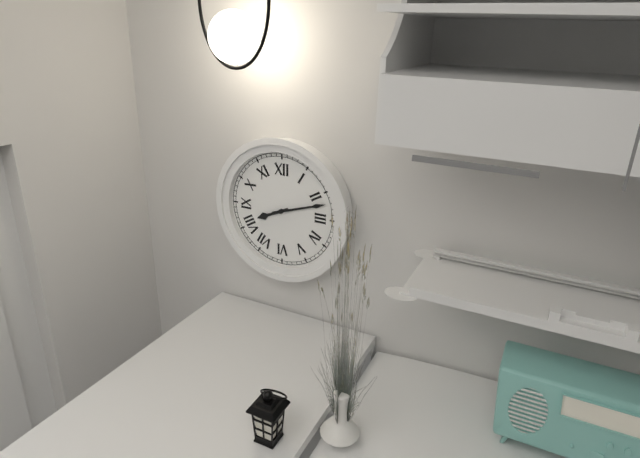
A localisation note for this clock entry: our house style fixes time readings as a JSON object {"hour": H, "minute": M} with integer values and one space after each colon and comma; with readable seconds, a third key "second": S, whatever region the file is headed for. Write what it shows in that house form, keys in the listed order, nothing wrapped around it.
{"hour": 8, "minute": 12}
